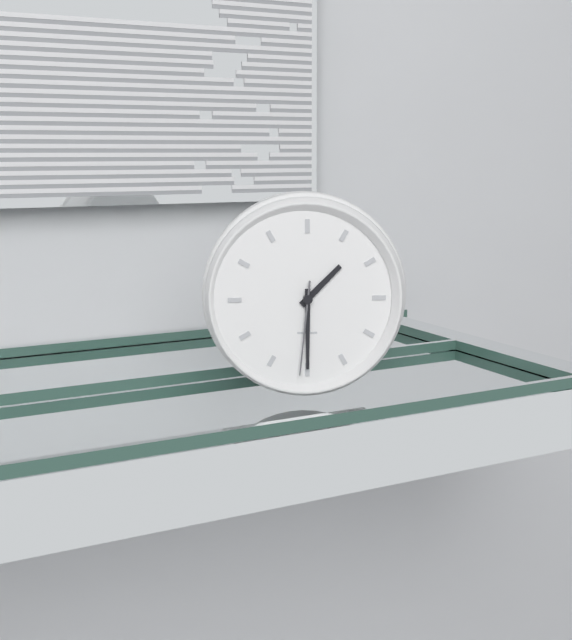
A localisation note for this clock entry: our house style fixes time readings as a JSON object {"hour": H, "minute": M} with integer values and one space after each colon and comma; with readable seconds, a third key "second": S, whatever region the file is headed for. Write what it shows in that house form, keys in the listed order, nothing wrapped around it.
{"hour": 1, "minute": 30, "second": 31}
